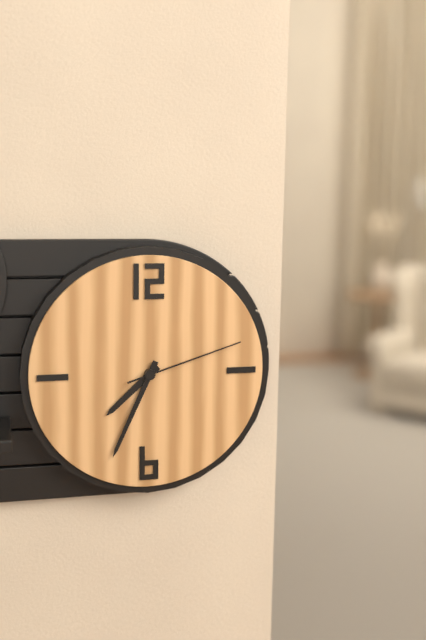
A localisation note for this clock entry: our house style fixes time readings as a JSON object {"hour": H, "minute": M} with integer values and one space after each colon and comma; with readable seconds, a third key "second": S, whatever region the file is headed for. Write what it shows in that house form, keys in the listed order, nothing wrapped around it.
{"hour": 7, "minute": 34, "second": 12}
